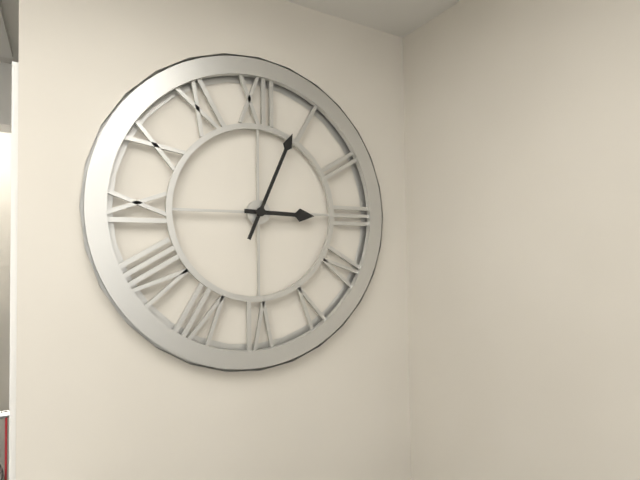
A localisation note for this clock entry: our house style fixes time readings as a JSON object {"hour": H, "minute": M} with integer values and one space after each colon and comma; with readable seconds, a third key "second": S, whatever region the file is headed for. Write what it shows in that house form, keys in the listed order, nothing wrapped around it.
{"hour": 3, "minute": 4}
